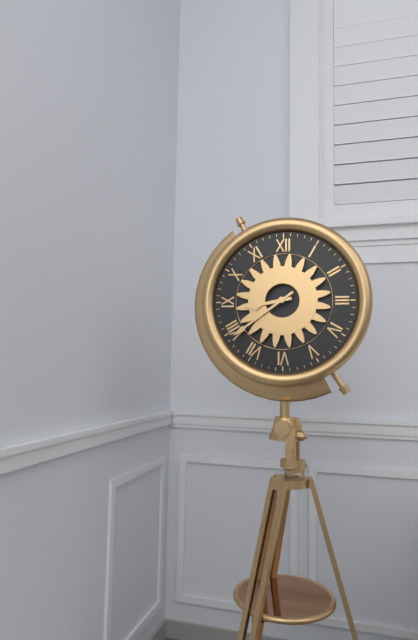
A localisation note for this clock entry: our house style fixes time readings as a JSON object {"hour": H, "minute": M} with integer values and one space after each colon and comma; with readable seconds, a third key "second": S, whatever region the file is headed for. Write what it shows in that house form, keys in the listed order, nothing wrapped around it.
{"hour": 8, "minute": 39}
